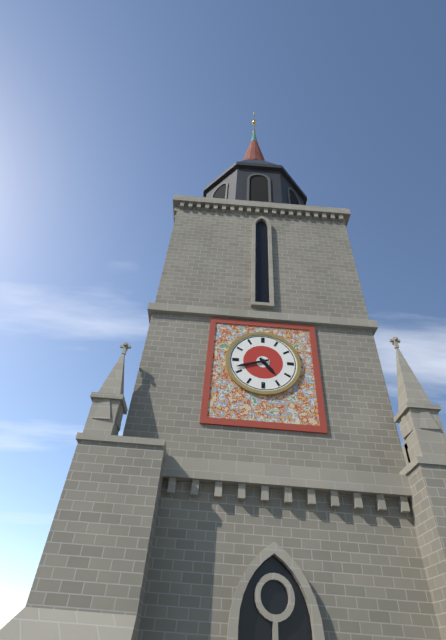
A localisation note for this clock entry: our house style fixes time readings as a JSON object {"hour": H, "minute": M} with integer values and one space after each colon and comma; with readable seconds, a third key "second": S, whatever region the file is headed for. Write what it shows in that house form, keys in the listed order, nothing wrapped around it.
{"hour": 4, "minute": 42}
